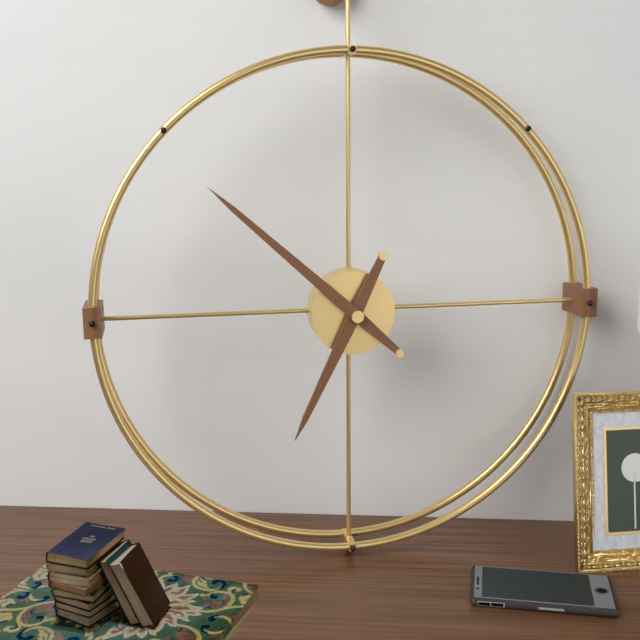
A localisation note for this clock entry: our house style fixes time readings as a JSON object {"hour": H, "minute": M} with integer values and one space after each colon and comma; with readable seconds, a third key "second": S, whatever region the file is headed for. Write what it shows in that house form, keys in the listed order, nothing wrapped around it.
{"hour": 6, "minute": 52}
